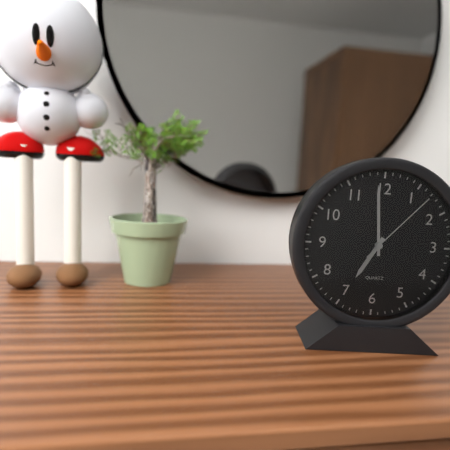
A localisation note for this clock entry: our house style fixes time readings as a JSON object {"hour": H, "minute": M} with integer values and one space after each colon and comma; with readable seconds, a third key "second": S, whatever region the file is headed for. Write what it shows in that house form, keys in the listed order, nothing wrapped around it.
{"hour": 6, "minute": 59, "second": 7}
